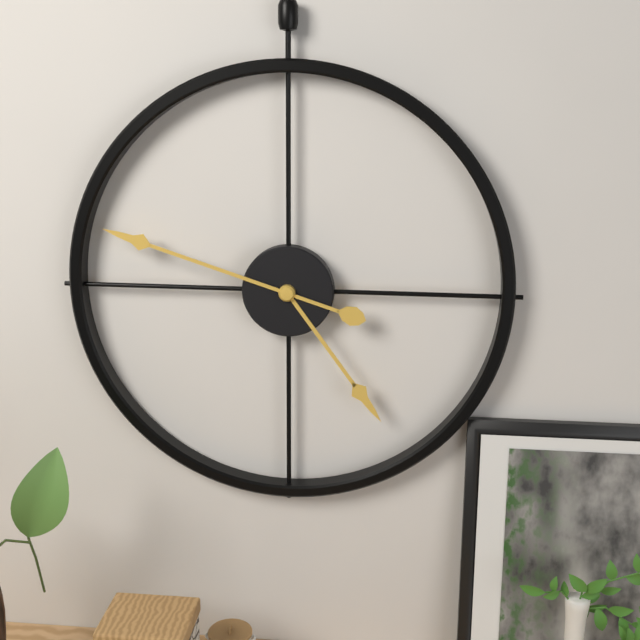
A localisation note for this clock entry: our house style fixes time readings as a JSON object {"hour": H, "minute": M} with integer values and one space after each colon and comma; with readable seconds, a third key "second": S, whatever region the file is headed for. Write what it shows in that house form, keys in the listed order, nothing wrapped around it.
{"hour": 4, "minute": 48}
